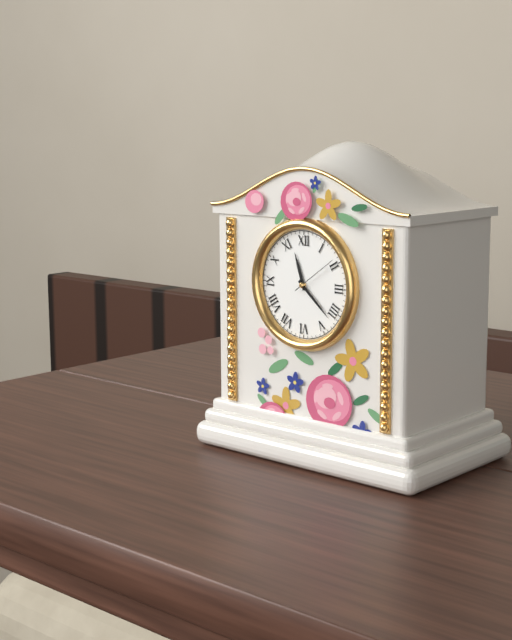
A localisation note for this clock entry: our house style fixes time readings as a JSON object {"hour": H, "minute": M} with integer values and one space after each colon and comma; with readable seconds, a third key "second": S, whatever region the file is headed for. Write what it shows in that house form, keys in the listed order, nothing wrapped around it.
{"hour": 11, "minute": 22}
